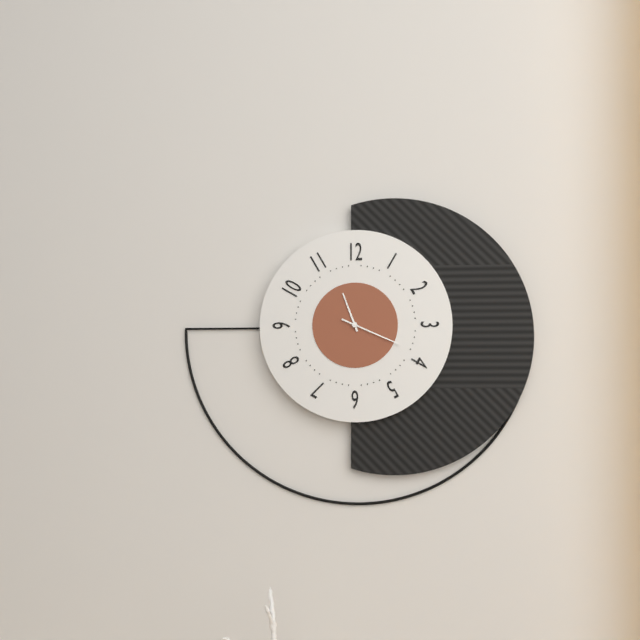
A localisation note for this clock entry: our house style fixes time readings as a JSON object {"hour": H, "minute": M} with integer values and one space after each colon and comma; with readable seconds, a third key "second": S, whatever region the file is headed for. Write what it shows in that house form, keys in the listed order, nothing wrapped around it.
{"hour": 11, "minute": 19}
